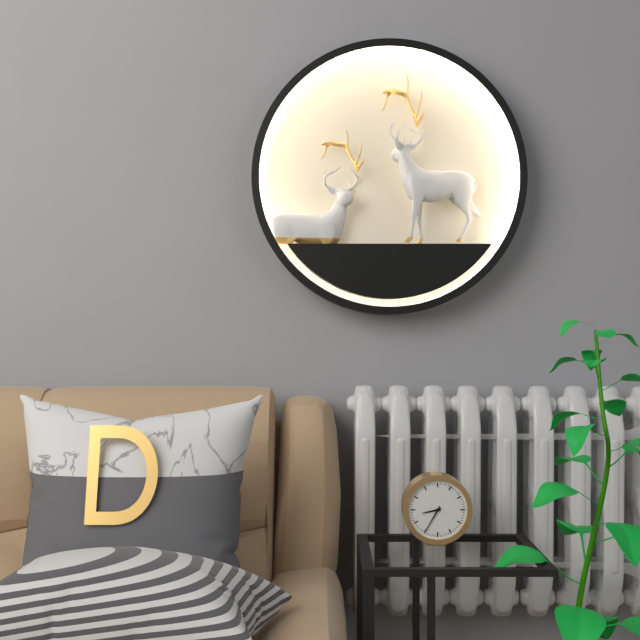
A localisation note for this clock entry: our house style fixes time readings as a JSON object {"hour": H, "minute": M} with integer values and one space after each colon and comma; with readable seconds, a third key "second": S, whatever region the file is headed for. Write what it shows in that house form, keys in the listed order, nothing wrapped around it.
{"hour": 8, "minute": 35}
